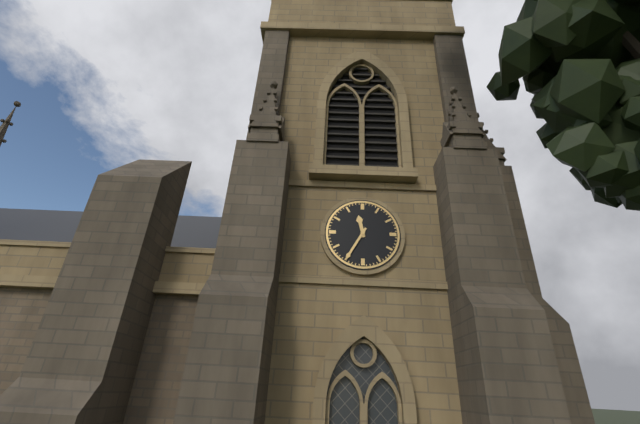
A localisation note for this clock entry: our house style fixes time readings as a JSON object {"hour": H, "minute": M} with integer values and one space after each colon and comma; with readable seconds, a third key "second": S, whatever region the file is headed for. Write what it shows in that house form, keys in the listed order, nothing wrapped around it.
{"hour": 11, "minute": 35}
